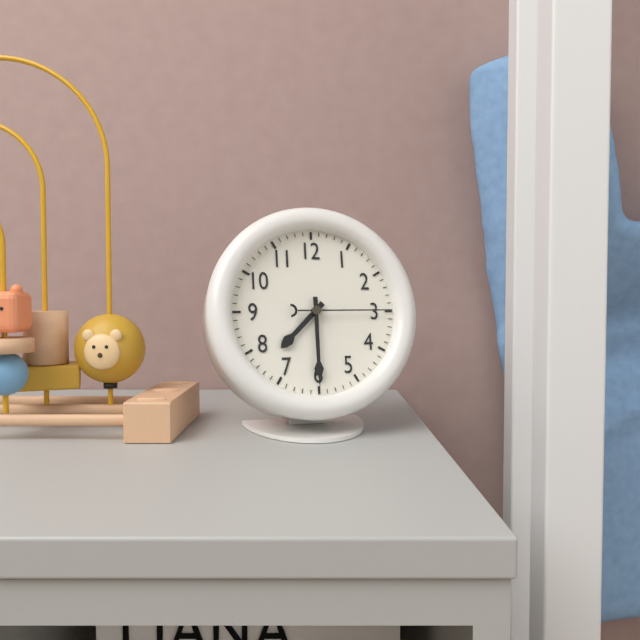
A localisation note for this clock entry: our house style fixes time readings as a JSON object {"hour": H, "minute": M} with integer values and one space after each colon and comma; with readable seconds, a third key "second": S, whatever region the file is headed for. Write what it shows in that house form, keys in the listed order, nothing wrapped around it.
{"hour": 7, "minute": 30, "second": 15}
